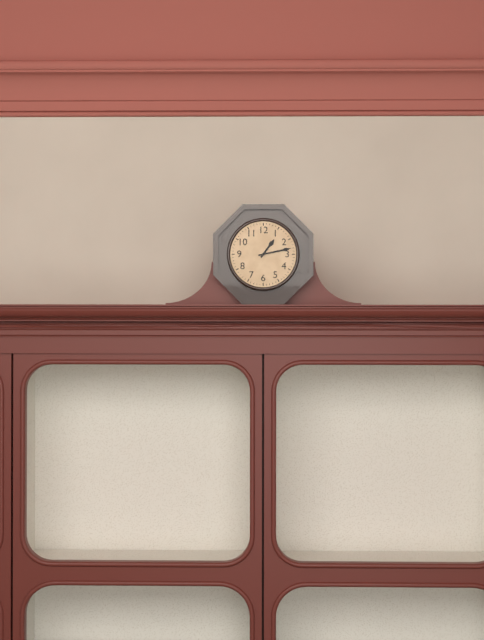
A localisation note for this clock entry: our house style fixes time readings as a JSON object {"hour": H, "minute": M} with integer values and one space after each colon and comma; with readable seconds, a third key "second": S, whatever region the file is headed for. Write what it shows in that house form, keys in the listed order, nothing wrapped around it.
{"hour": 1, "minute": 13}
